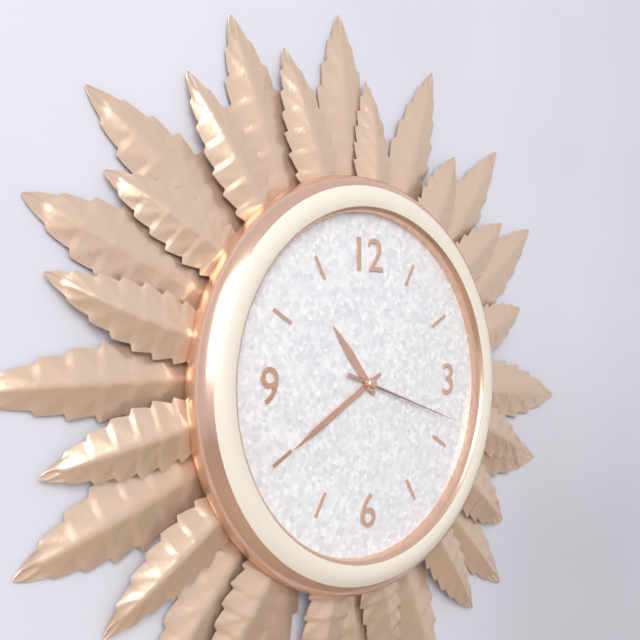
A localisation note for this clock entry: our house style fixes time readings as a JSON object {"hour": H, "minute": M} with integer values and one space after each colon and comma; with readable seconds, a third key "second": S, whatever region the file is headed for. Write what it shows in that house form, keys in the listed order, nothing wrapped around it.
{"hour": 10, "minute": 40, "second": 18}
